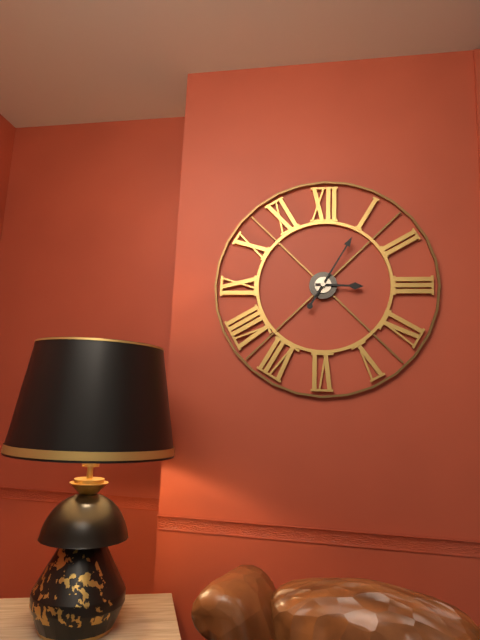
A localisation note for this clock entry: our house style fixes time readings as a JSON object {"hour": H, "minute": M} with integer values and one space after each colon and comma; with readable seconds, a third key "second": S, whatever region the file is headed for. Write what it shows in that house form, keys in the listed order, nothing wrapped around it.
{"hour": 3, "minute": 5}
